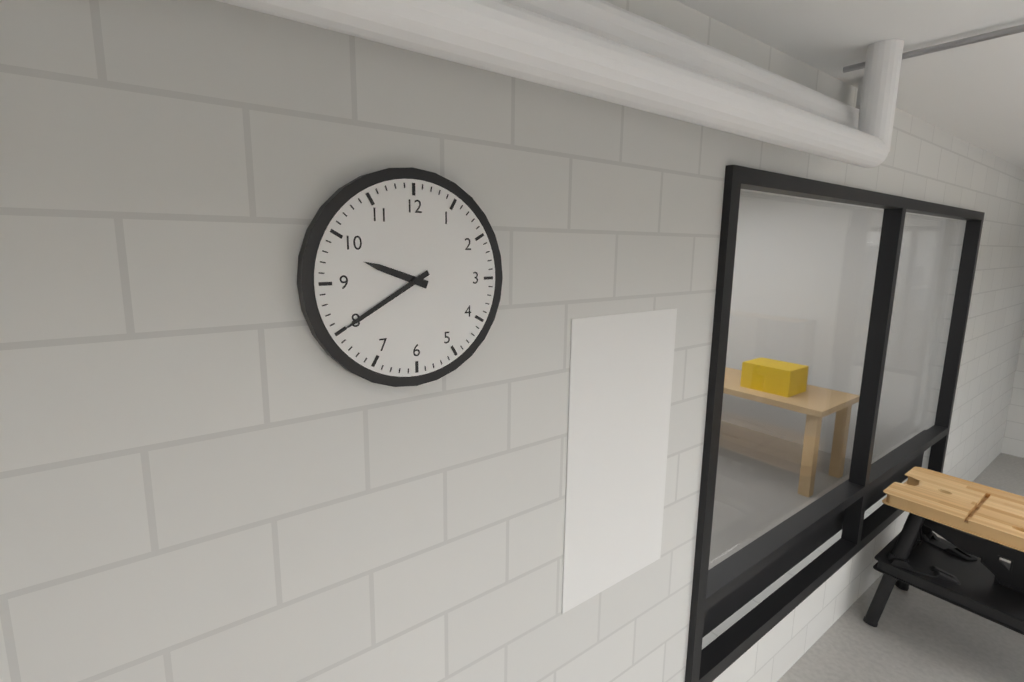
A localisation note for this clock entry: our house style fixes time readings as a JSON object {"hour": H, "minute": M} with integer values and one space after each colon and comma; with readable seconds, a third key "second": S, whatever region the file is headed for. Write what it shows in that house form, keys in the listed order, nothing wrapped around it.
{"hour": 9, "minute": 40}
